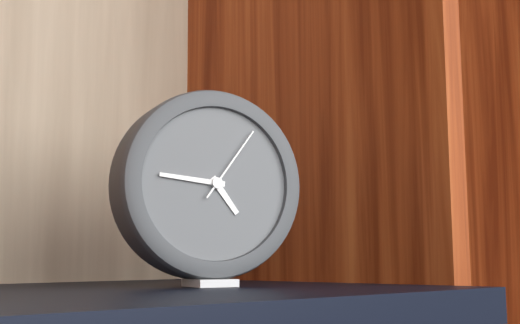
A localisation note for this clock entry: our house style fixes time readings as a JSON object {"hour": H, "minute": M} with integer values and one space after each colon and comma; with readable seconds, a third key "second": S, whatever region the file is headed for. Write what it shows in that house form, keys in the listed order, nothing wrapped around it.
{"hour": 4, "minute": 46, "second": 6}
